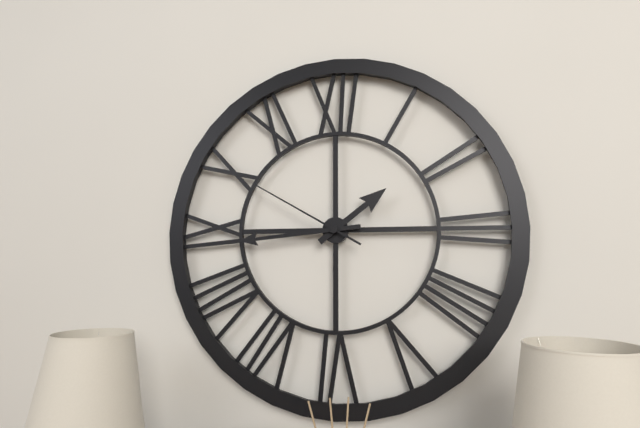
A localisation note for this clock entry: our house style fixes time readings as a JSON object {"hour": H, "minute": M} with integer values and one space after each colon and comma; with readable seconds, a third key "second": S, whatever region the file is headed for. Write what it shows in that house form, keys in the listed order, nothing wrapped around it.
{"hour": 1, "minute": 44, "second": 50}
